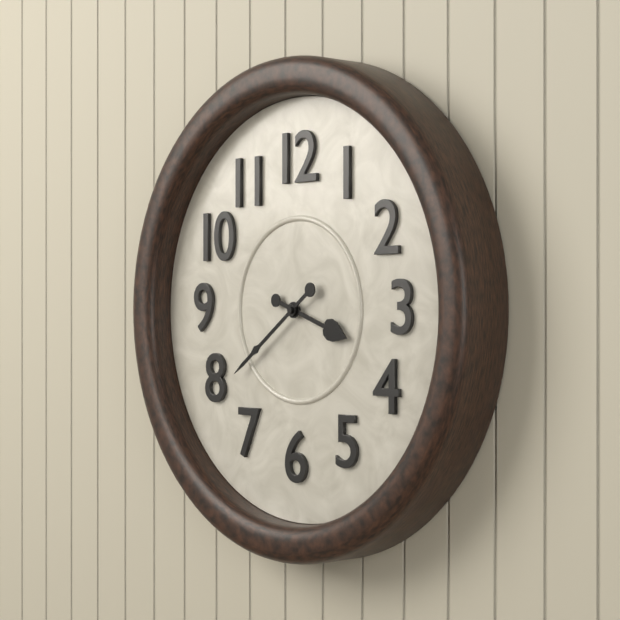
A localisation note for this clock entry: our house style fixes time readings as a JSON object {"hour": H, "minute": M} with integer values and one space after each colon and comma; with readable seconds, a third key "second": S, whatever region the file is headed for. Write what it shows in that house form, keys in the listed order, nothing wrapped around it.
{"hour": 3, "minute": 39}
